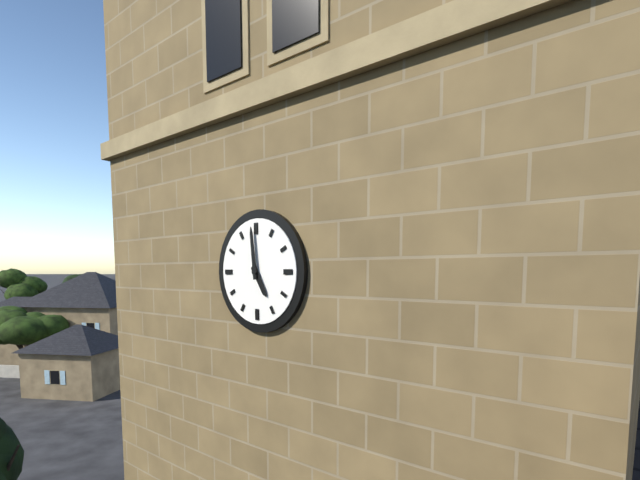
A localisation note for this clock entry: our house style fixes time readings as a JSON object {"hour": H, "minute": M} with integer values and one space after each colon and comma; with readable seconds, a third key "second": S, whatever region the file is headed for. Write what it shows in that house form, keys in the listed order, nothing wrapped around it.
{"hour": 4, "minute": 59}
